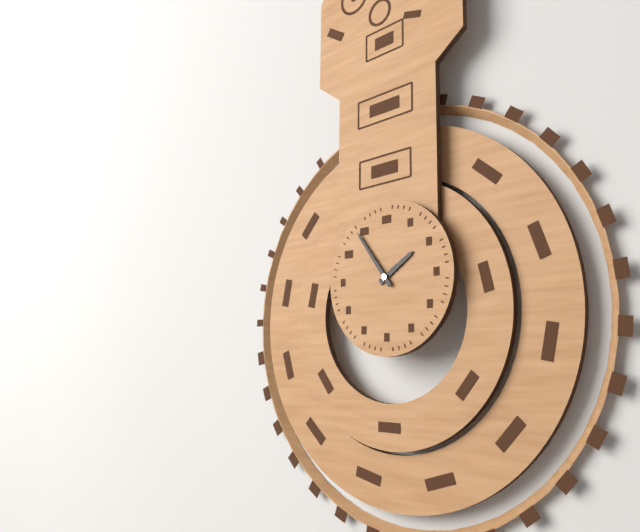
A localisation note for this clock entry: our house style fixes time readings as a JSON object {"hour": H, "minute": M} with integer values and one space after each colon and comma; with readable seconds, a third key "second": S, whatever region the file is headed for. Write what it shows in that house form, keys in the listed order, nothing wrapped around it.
{"hour": 1, "minute": 54}
